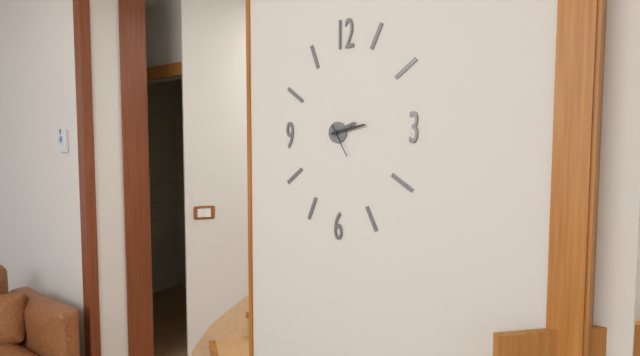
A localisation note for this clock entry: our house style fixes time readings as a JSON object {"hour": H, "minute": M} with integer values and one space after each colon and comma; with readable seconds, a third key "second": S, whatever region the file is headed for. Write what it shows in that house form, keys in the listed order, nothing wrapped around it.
{"hour": 2, "minute": 13}
